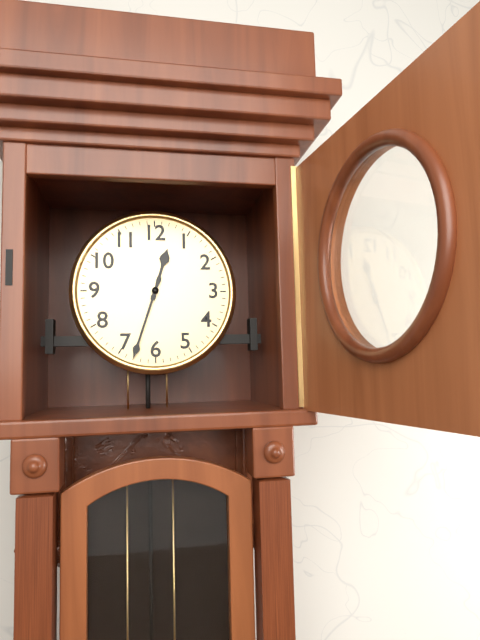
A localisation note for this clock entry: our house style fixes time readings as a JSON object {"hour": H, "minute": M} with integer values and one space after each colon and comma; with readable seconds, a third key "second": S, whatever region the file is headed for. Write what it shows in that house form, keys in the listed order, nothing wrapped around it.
{"hour": 12, "minute": 33}
